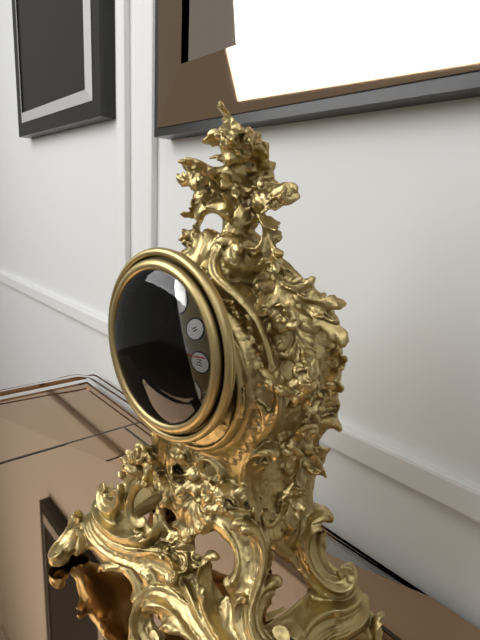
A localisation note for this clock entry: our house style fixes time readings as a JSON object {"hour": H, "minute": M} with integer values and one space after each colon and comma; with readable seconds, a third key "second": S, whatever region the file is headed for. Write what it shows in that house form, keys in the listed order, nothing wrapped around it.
{"hour": 1, "minute": 30, "second": 14}
